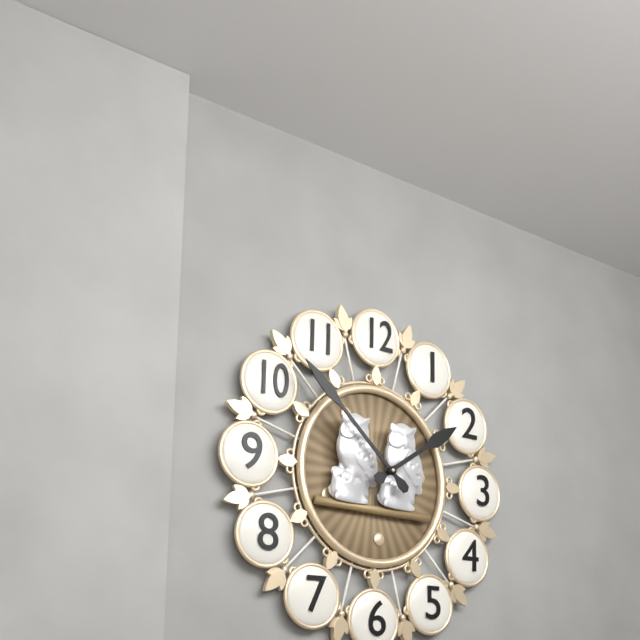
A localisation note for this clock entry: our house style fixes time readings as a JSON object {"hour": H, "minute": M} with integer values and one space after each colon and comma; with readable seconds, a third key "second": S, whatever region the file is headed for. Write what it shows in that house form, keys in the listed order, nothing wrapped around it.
{"hour": 1, "minute": 52}
